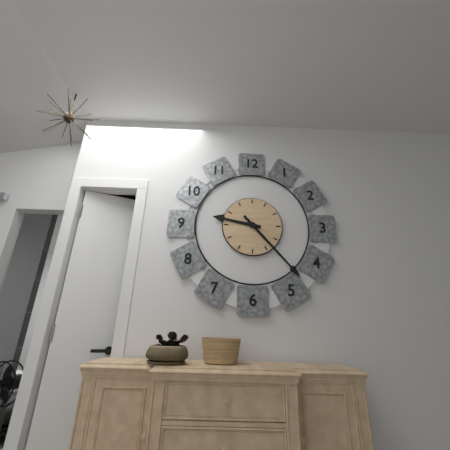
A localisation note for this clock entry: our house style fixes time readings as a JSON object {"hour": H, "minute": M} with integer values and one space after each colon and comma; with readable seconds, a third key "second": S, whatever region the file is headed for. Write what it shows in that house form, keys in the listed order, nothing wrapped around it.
{"hour": 9, "minute": 23}
